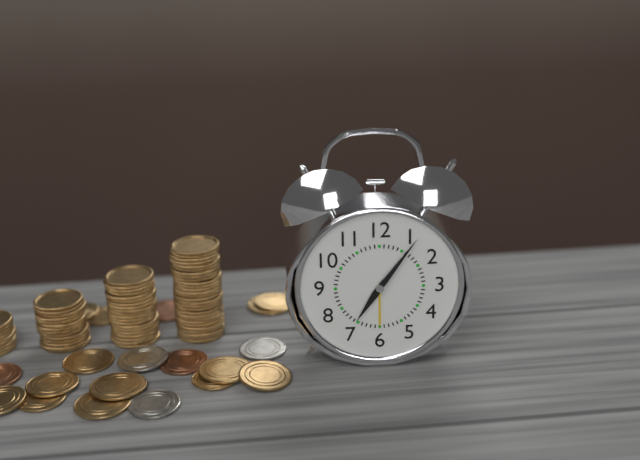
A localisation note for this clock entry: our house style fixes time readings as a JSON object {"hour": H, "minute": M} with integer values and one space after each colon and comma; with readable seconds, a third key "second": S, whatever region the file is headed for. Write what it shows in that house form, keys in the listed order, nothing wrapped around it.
{"hour": 7, "minute": 6}
